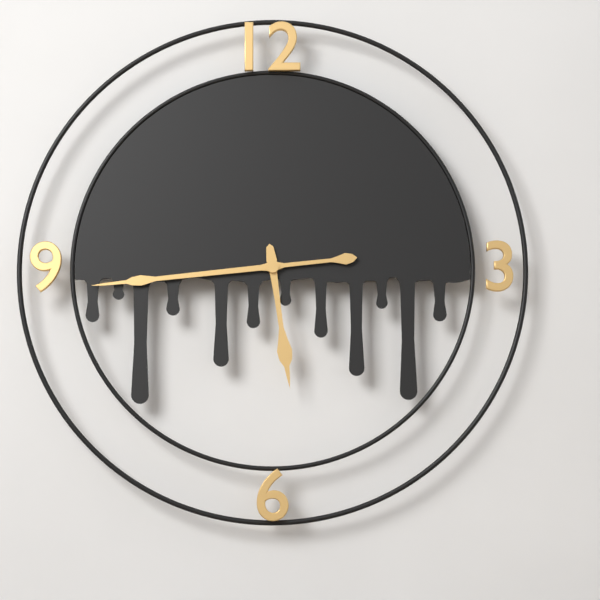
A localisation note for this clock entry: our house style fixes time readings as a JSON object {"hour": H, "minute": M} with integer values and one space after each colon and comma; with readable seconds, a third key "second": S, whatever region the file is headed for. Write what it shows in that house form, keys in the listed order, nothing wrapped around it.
{"hour": 5, "minute": 44}
